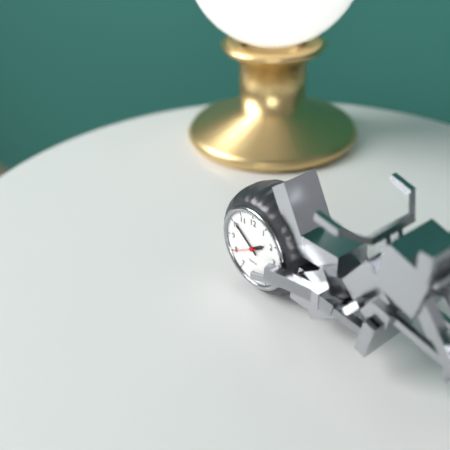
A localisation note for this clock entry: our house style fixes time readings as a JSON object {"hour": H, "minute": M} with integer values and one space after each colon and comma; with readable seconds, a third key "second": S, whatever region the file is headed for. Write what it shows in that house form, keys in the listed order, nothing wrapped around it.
{"hour": 1, "minute": 51}
